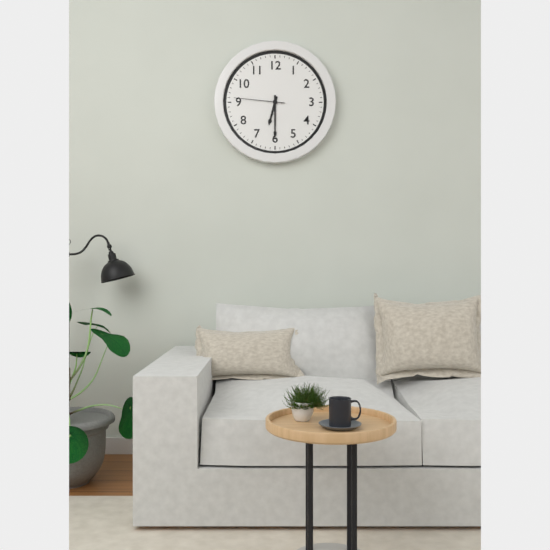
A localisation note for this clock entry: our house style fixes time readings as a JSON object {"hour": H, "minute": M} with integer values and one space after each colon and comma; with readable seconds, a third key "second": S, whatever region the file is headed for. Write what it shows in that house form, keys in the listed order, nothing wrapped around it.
{"hour": 6, "minute": 30, "second": 46}
